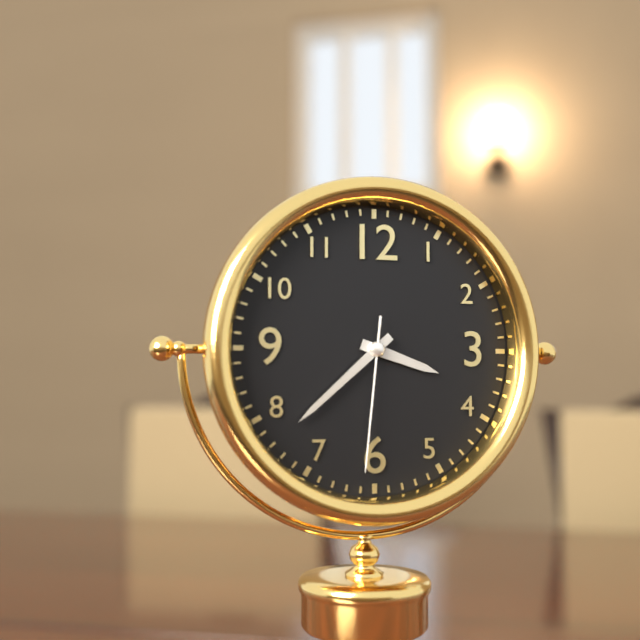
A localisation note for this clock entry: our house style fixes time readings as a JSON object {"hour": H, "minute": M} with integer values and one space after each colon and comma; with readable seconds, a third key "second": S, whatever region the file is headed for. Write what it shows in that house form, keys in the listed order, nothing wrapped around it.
{"hour": 3, "minute": 38, "second": 31}
